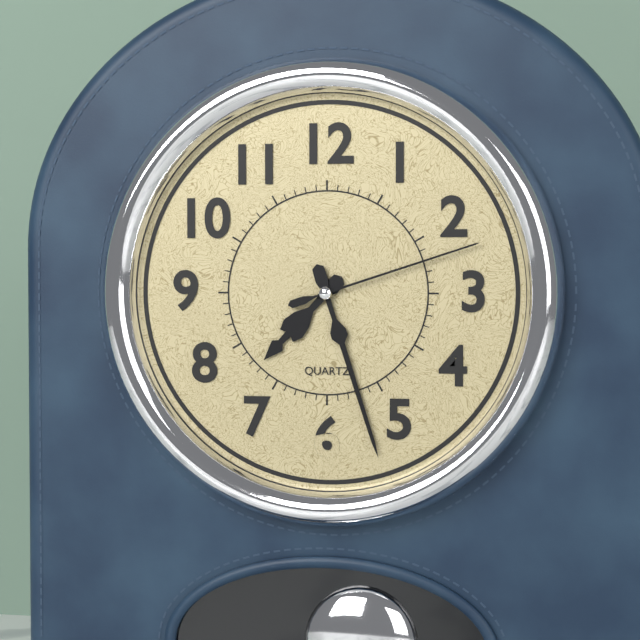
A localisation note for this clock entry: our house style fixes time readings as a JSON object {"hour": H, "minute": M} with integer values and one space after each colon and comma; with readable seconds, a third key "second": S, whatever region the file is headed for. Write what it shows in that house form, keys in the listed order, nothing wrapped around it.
{"hour": 7, "minute": 27, "second": 12}
